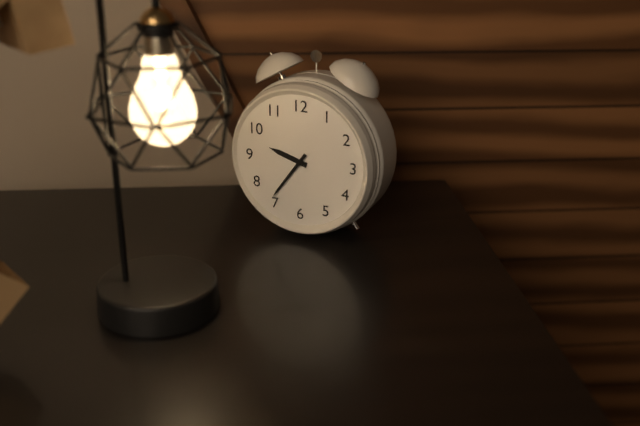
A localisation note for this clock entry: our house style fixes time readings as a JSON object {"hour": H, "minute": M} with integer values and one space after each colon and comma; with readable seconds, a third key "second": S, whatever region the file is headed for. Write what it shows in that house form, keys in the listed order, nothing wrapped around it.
{"hour": 9, "minute": 36}
